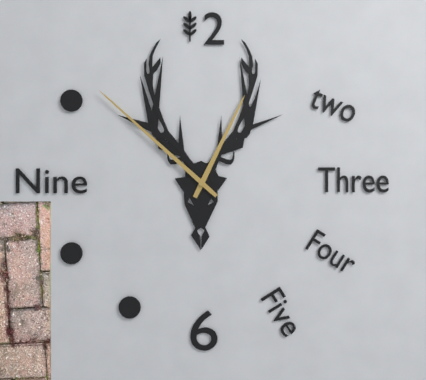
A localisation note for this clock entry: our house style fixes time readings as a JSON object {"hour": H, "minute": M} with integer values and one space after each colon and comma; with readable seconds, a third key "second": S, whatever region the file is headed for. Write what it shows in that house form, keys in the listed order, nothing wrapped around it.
{"hour": 12, "minute": 52}
